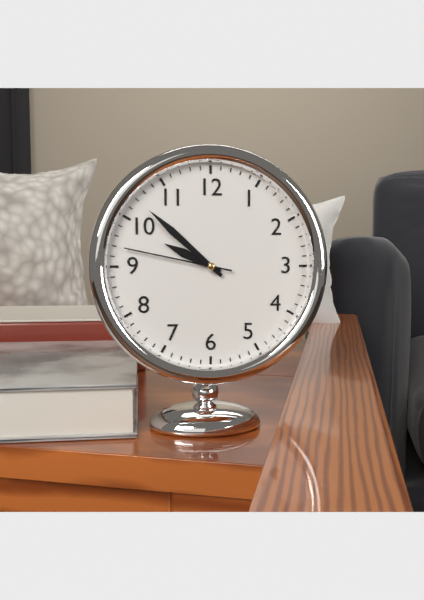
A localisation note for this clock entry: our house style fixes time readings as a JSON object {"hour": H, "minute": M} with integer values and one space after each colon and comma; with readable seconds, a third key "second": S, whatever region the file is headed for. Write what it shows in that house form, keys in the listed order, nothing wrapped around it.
{"hour": 9, "minute": 52, "second": 47}
